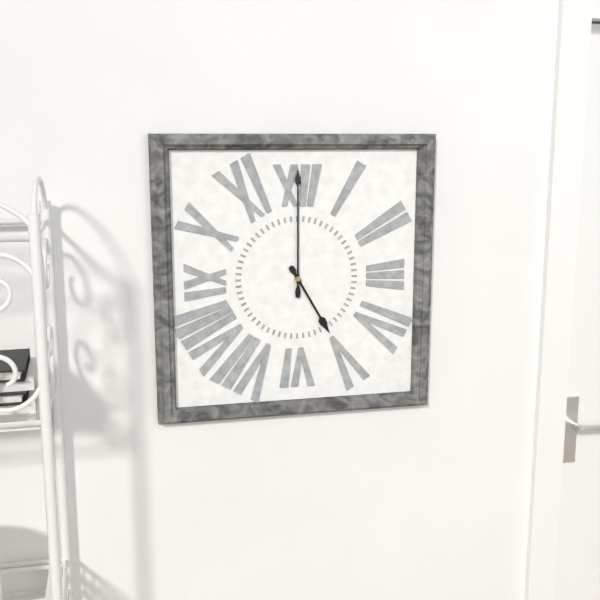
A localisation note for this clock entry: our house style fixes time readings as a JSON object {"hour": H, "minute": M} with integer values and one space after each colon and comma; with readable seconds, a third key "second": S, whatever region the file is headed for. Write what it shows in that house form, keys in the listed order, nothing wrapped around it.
{"hour": 5, "minute": 0}
